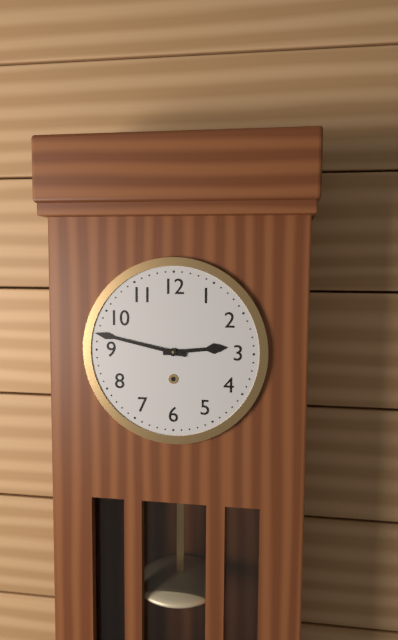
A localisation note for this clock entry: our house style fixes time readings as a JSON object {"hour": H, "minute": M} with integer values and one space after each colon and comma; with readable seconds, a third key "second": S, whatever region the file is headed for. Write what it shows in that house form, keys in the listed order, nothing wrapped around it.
{"hour": 2, "minute": 47}
